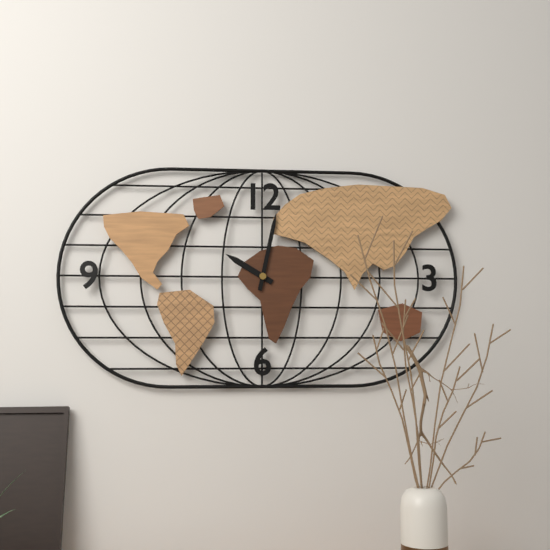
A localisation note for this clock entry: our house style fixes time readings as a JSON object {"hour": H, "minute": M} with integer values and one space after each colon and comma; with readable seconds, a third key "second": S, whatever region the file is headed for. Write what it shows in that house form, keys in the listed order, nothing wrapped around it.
{"hour": 10, "minute": 2}
